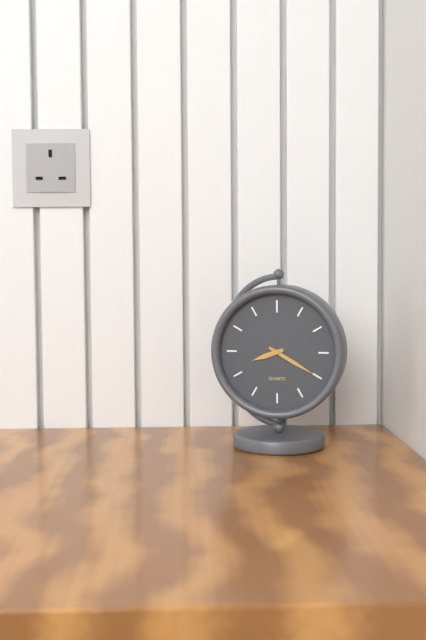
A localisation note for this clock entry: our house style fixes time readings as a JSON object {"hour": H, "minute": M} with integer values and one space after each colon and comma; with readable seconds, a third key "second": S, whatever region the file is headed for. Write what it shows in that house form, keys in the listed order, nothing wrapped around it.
{"hour": 8, "minute": 20}
